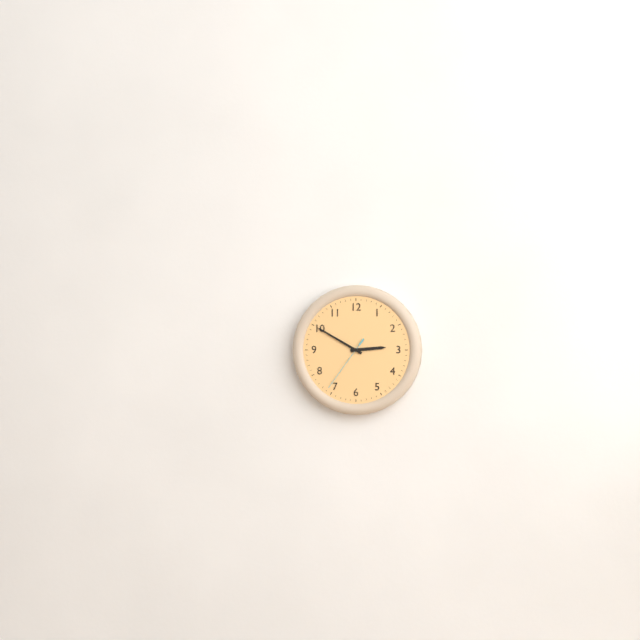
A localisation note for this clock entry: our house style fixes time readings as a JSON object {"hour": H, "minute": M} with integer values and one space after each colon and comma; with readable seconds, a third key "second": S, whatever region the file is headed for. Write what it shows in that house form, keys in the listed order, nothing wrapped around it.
{"hour": 2, "minute": 50, "second": 36}
